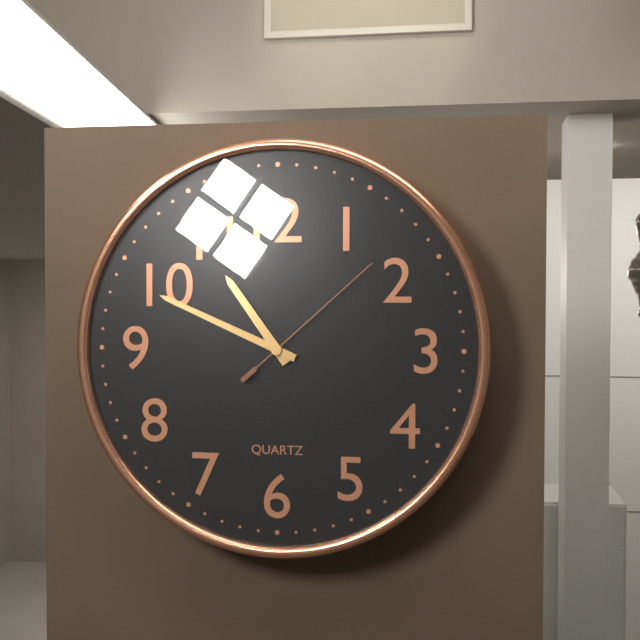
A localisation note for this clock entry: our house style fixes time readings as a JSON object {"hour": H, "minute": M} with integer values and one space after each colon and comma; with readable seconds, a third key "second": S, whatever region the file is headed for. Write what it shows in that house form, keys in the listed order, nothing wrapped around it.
{"hour": 10, "minute": 49, "second": 8}
